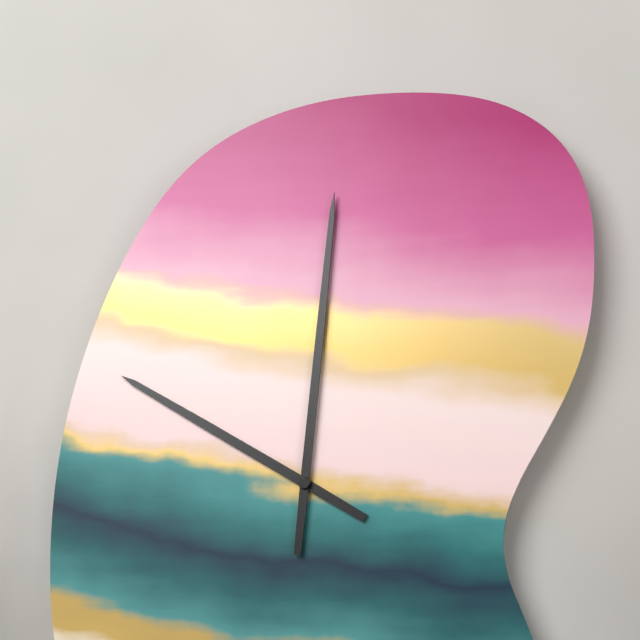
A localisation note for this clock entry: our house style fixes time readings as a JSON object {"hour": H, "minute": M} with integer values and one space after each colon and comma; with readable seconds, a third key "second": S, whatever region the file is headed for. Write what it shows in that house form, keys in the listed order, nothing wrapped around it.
{"hour": 10, "minute": 1}
